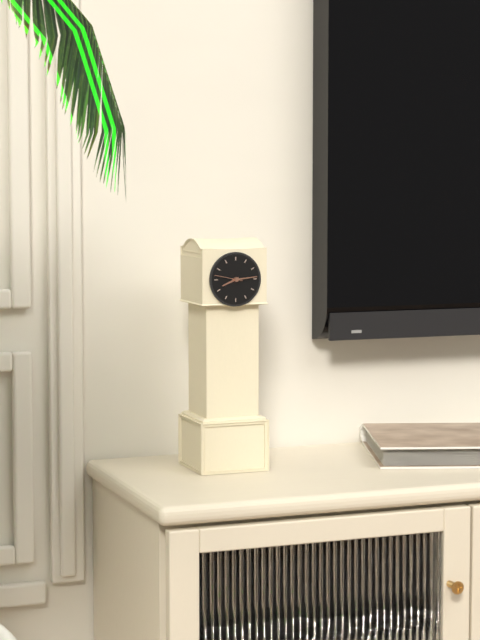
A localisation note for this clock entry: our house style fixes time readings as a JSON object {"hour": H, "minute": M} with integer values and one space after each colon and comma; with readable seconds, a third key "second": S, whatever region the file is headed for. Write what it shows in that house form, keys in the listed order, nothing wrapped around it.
{"hour": 8, "minute": 14}
